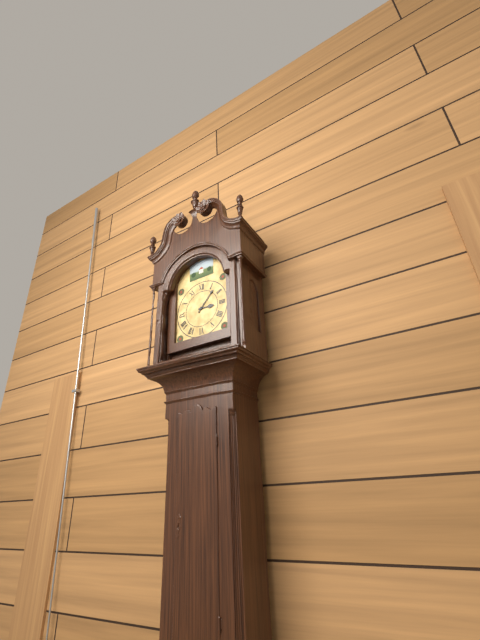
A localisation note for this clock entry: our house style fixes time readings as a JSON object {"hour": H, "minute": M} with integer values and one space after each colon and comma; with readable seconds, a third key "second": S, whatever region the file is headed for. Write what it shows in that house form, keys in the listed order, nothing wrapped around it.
{"hour": 3, "minute": 7}
